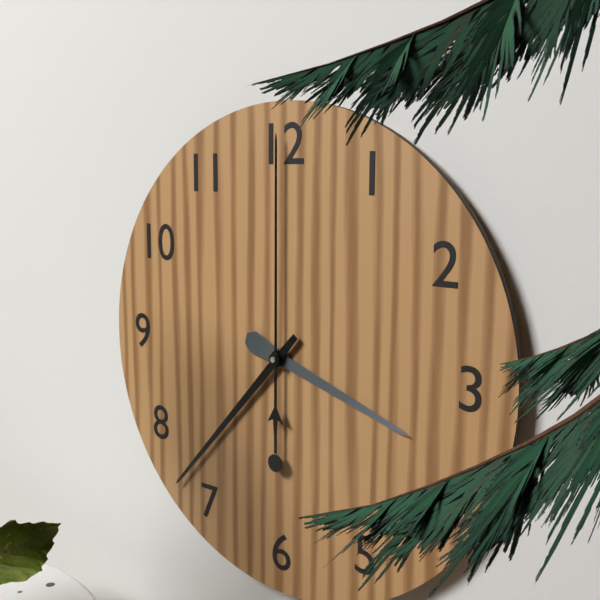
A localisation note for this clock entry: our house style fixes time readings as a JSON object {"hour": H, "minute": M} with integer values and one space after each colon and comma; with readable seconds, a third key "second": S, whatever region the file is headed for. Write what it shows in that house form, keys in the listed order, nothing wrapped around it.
{"hour": 3, "minute": 37, "second": 0}
